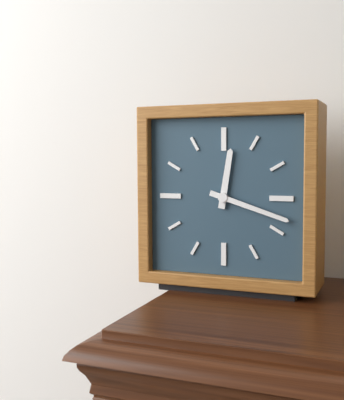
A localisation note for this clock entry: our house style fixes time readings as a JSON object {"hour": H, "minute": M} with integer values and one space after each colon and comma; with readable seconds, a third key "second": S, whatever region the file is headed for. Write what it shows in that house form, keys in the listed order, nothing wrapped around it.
{"hour": 12, "minute": 18}
